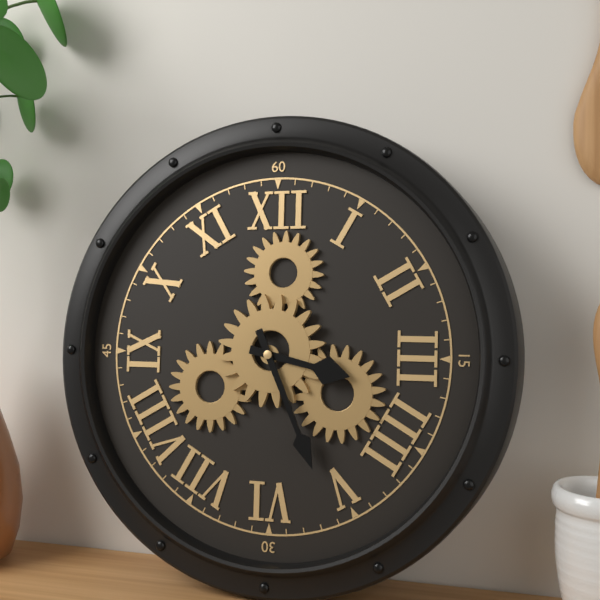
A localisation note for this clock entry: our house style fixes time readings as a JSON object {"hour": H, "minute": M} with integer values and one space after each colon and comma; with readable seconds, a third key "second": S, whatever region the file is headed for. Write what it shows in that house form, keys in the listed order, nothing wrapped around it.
{"hour": 3, "minute": 26}
